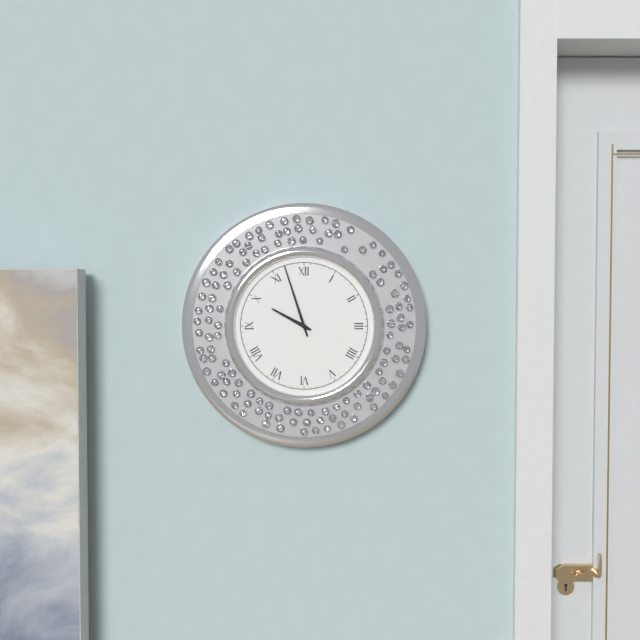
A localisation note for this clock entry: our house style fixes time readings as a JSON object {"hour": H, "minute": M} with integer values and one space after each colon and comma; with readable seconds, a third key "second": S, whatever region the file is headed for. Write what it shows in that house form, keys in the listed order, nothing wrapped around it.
{"hour": 9, "minute": 57}
